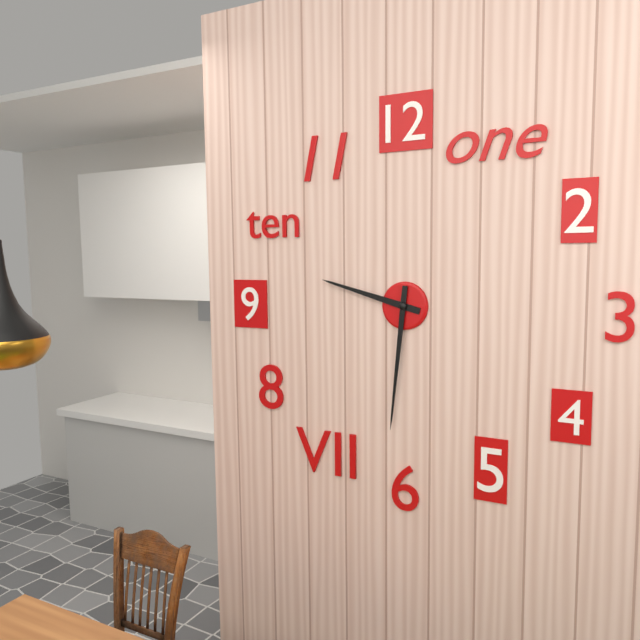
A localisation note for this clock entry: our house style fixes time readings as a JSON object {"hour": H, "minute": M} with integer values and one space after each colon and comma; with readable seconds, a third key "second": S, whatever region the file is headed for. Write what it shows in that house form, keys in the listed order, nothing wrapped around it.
{"hour": 9, "minute": 31}
